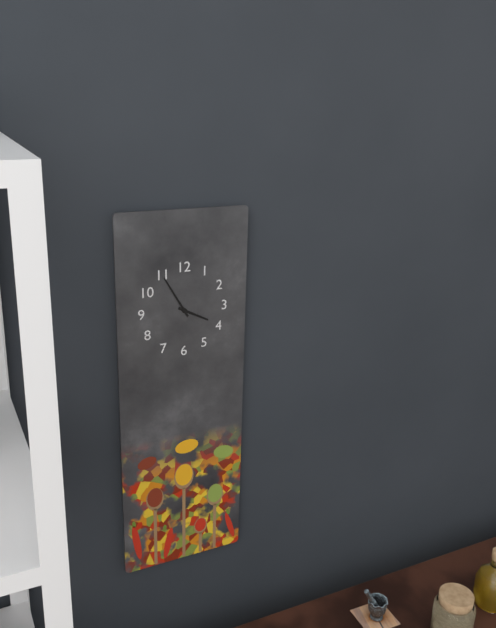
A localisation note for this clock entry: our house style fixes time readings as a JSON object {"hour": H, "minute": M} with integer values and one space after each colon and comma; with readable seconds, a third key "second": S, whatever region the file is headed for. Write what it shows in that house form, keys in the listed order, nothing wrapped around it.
{"hour": 3, "minute": 55}
